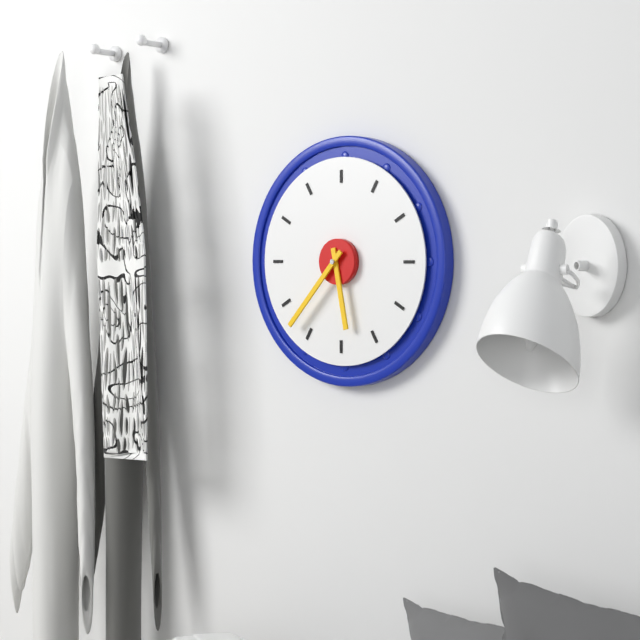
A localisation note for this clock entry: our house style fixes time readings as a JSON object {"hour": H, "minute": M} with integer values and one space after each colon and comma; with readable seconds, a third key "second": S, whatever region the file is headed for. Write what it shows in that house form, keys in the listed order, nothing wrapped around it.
{"hour": 5, "minute": 37}
